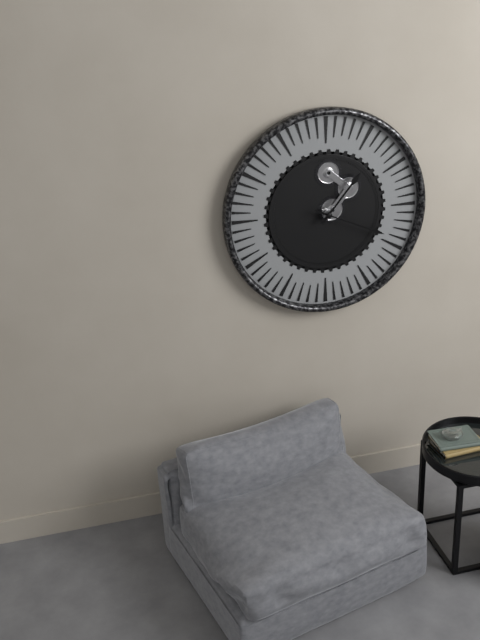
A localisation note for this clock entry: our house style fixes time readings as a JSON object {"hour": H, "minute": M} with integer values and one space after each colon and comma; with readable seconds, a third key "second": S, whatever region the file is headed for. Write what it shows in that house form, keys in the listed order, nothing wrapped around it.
{"hour": 1, "minute": 19}
